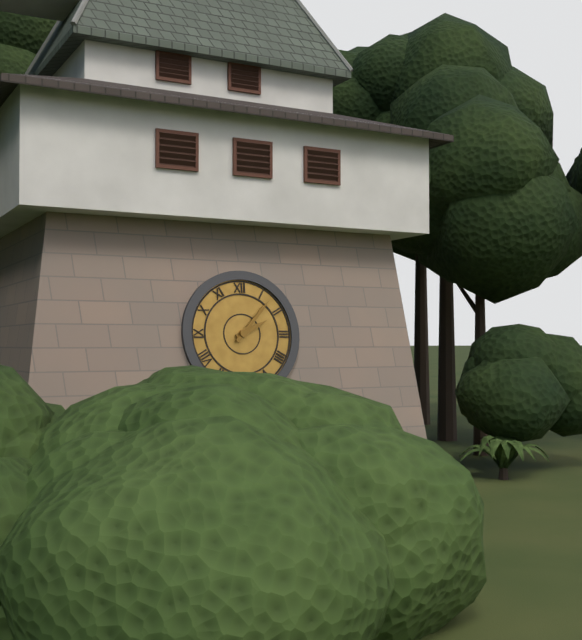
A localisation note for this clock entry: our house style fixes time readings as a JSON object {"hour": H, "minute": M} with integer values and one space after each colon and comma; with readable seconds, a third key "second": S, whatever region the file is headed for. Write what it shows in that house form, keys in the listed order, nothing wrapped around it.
{"hour": 2, "minute": 7}
